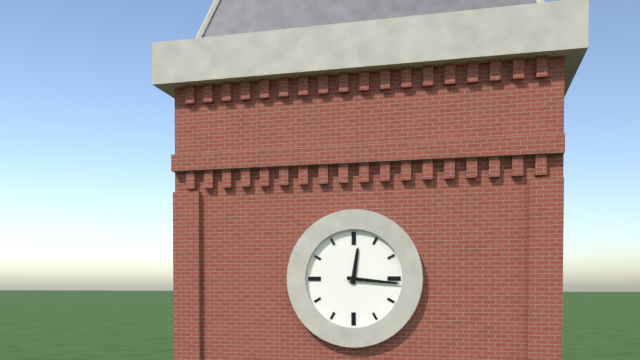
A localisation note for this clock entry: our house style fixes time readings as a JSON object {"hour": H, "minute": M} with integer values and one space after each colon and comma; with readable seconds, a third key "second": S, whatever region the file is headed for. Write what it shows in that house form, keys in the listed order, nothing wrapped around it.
{"hour": 12, "minute": 16}
